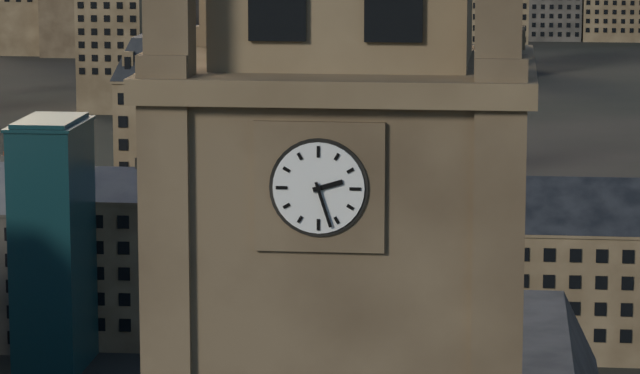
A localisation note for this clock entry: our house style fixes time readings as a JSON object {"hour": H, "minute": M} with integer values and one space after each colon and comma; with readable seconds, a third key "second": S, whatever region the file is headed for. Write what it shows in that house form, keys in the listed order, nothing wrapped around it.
{"hour": 2, "minute": 27}
